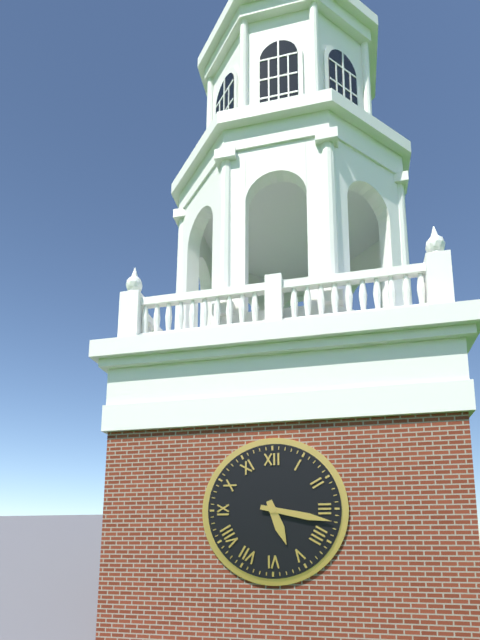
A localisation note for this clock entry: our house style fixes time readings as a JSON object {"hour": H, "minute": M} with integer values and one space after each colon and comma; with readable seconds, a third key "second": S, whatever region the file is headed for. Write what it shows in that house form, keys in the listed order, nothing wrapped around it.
{"hour": 5, "minute": 17}
